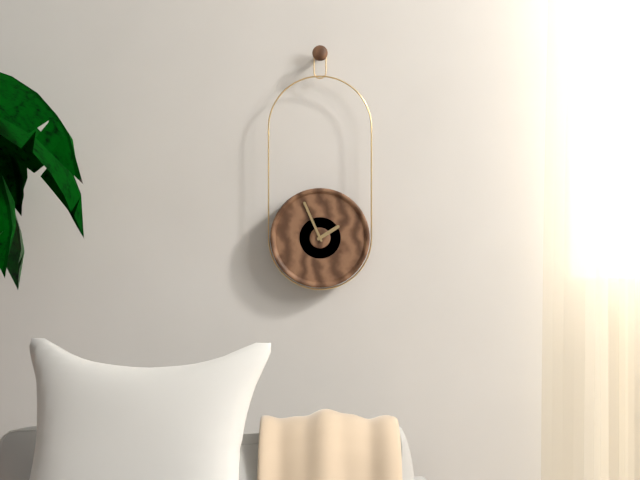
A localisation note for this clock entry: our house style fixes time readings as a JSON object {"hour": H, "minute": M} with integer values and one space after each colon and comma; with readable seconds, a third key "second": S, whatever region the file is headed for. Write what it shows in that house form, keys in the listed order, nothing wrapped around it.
{"hour": 1, "minute": 56}
